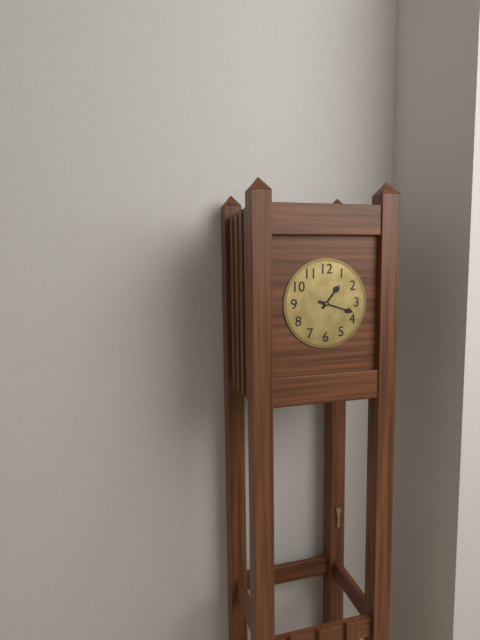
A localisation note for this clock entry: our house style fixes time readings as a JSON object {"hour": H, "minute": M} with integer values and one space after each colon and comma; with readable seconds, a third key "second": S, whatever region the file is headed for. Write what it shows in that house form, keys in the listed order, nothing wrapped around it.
{"hour": 1, "minute": 18}
